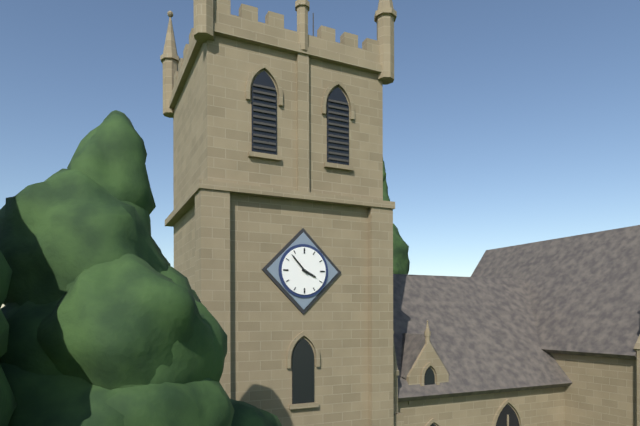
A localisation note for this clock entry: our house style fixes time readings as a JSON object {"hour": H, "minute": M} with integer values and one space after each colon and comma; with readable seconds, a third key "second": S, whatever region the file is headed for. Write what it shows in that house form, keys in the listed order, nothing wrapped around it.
{"hour": 3, "minute": 53}
